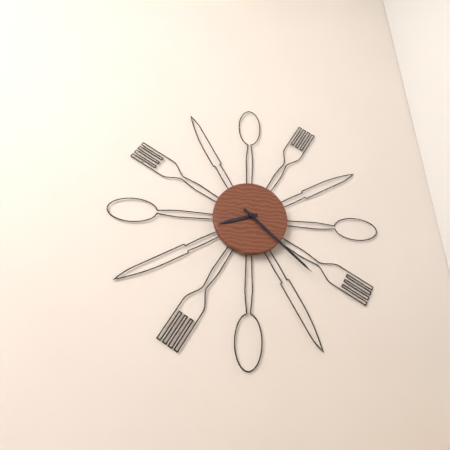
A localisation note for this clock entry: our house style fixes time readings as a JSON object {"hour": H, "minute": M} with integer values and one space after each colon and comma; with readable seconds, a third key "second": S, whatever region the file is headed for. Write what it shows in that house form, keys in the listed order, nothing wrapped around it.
{"hour": 8, "minute": 22}
